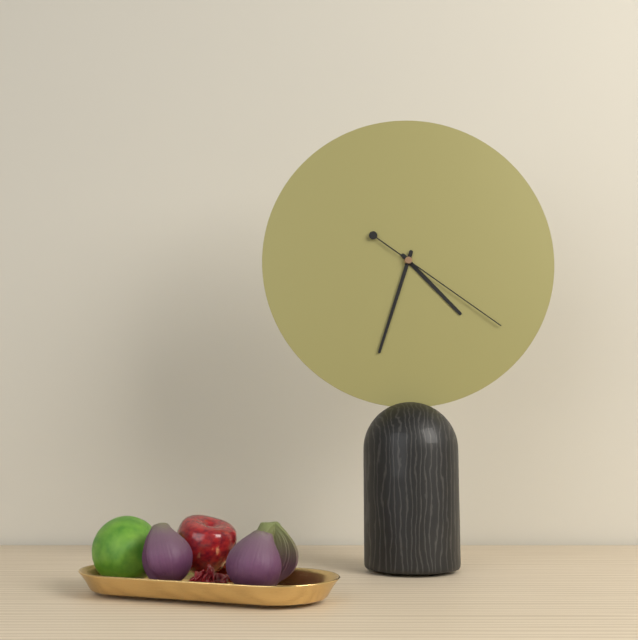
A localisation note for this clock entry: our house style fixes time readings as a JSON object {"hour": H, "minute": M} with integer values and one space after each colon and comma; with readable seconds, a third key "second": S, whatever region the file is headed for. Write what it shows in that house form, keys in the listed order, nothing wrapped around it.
{"hour": 4, "minute": 33, "second": 21}
